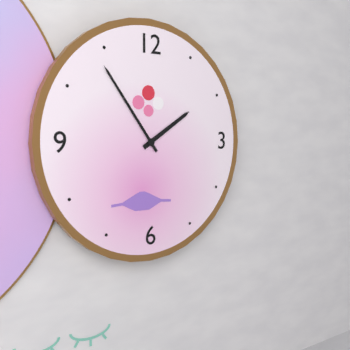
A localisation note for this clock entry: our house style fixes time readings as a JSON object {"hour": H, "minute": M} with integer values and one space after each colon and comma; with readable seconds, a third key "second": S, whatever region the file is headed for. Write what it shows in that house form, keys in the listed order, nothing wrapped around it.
{"hour": 1, "minute": 54}
